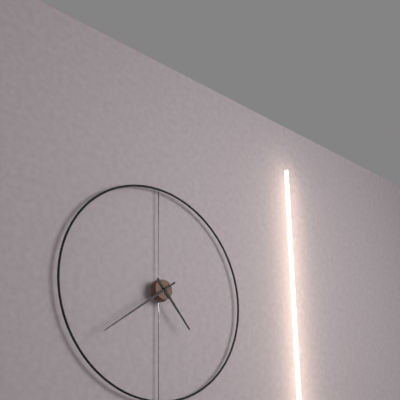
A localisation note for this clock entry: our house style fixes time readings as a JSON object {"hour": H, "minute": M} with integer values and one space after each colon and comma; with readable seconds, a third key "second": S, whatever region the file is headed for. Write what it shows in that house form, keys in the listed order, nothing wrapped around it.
{"hour": 4, "minute": 39}
